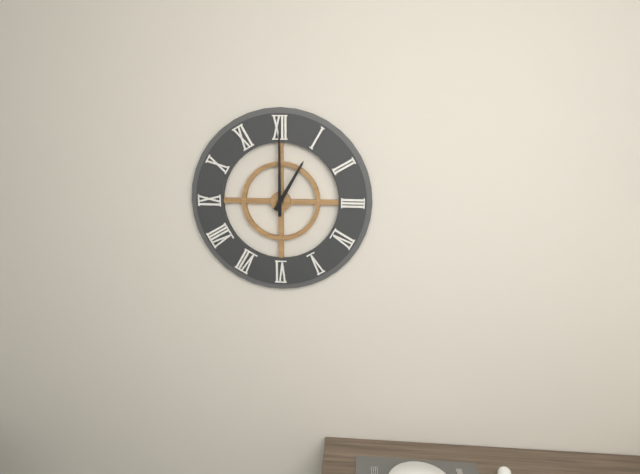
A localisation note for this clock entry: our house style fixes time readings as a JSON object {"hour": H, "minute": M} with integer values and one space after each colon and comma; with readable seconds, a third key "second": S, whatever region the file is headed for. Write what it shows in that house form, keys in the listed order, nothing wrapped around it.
{"hour": 1, "minute": 0}
